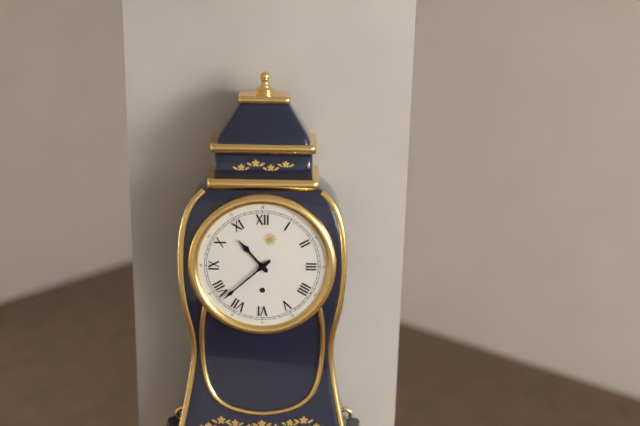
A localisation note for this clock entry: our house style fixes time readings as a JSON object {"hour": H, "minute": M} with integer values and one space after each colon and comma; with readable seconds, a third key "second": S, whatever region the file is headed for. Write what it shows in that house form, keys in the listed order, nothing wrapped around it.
{"hour": 10, "minute": 38}
